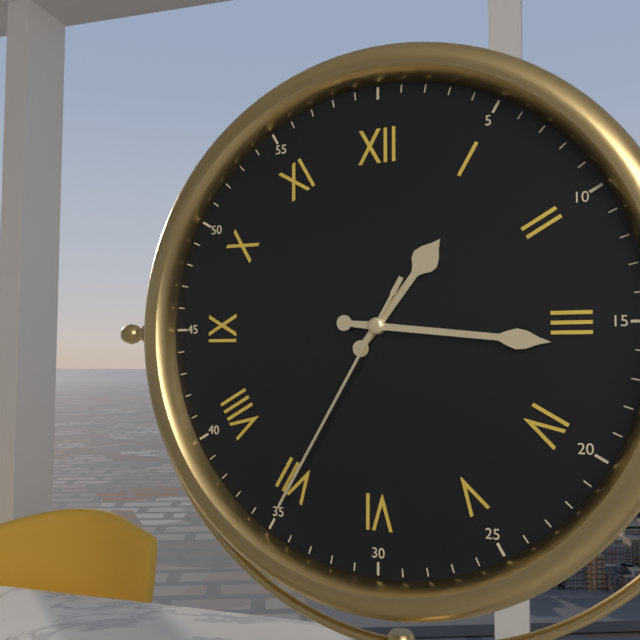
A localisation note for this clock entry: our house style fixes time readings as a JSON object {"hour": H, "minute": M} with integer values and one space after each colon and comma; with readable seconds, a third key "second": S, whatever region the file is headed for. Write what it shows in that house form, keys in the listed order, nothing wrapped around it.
{"hour": 1, "minute": 16, "second": 35}
